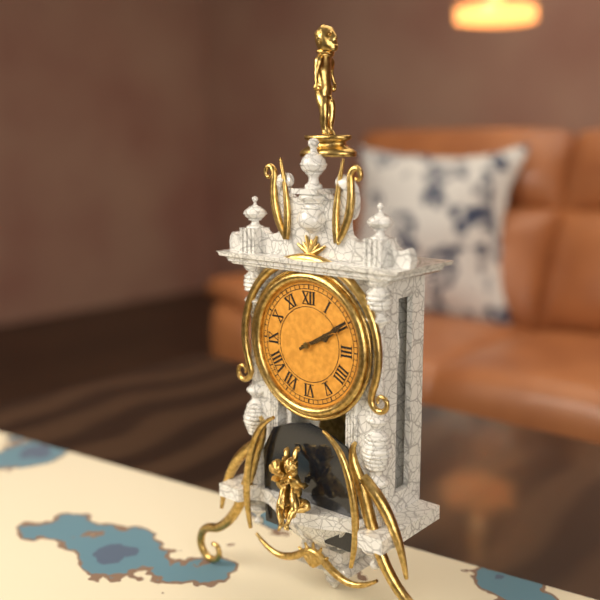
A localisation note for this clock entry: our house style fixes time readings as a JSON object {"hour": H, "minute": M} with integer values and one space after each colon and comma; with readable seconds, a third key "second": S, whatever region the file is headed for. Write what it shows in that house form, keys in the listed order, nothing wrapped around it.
{"hour": 2, "minute": 10}
